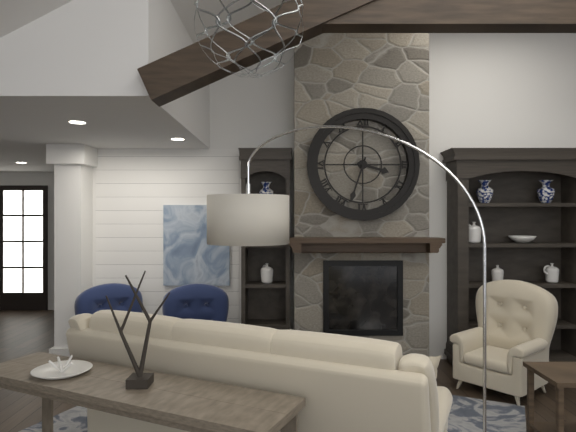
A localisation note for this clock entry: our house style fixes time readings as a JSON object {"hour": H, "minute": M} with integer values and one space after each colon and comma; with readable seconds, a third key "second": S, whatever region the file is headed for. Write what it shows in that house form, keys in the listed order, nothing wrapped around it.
{"hour": 3, "minute": 33}
